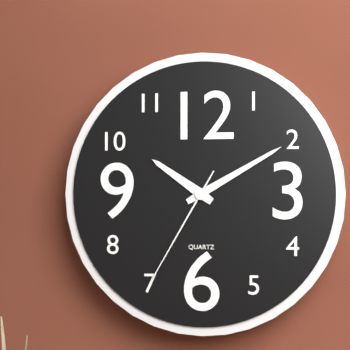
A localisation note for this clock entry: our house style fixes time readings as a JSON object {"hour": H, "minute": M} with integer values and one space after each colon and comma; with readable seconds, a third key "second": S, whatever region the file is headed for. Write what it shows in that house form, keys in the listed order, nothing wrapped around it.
{"hour": 10, "minute": 10, "second": 35}
